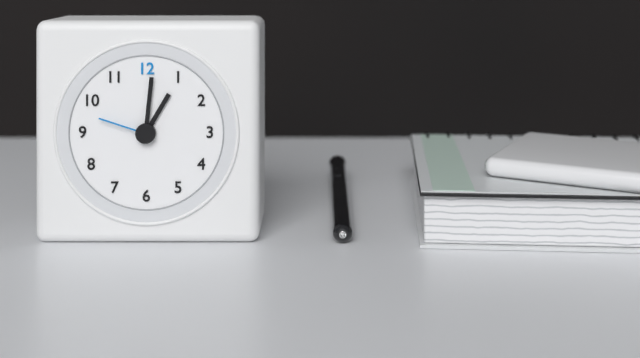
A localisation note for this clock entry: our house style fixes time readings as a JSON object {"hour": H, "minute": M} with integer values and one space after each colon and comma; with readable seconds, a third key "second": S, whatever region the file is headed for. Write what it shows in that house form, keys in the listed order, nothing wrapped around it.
{"hour": 1, "minute": 1, "second": 48}
